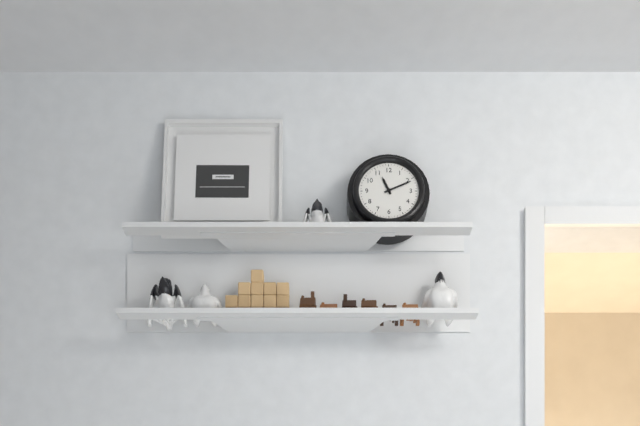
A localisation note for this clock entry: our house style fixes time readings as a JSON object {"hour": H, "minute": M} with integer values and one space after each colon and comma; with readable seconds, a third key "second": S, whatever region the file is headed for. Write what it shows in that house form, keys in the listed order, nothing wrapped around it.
{"hour": 11, "minute": 11}
